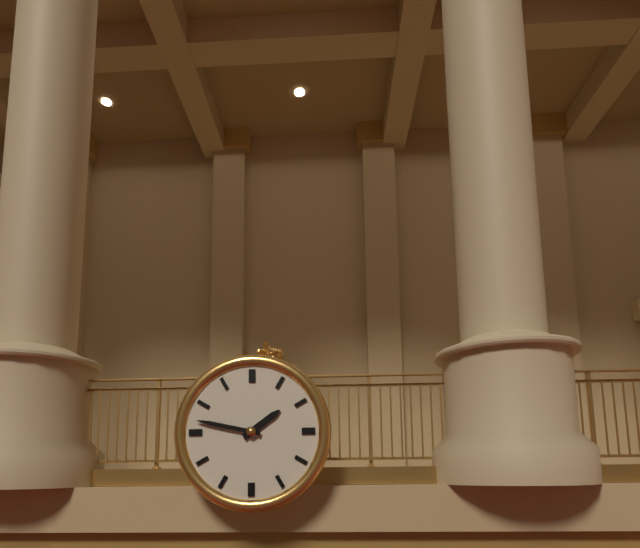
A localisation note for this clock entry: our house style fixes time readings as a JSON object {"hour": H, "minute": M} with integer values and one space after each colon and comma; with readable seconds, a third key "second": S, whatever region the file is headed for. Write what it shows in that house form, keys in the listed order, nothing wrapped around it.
{"hour": 1, "minute": 47}
